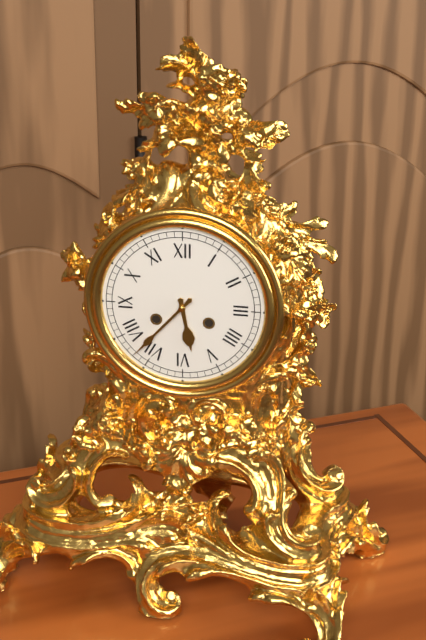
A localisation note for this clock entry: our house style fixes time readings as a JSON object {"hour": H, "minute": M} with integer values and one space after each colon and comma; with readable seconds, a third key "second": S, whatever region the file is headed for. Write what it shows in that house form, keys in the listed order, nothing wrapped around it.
{"hour": 5, "minute": 37}
